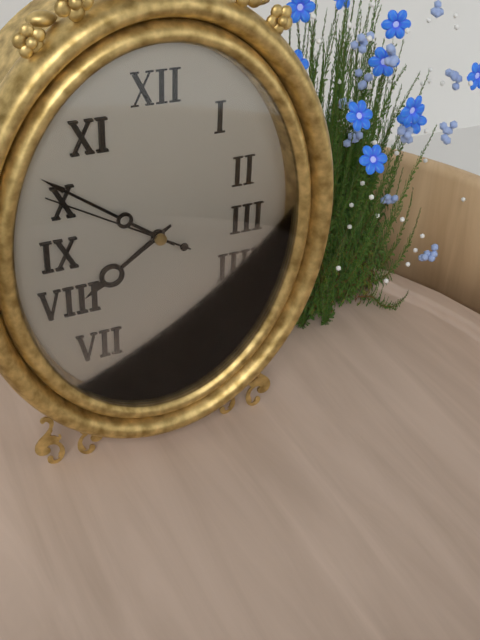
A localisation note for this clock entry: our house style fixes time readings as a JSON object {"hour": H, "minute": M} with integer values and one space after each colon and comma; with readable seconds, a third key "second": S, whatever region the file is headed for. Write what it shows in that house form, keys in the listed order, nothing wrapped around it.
{"hour": 7, "minute": 51, "second": 50}
